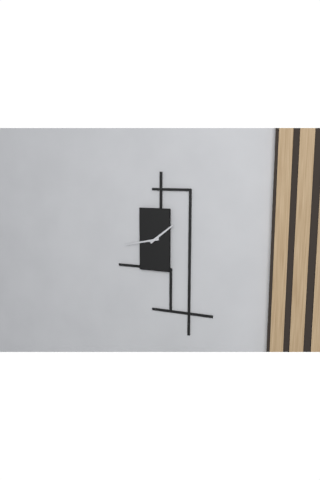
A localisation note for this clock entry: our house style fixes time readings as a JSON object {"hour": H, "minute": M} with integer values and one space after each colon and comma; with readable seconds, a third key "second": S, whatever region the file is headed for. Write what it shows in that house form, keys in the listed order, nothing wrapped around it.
{"hour": 1, "minute": 43}
